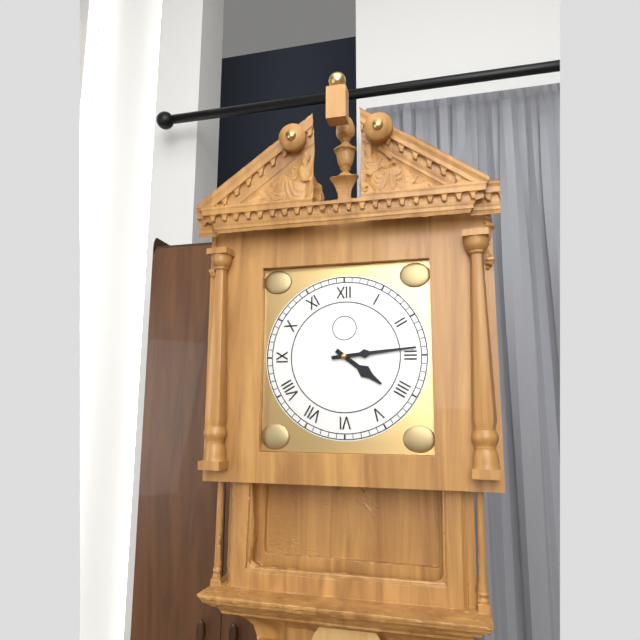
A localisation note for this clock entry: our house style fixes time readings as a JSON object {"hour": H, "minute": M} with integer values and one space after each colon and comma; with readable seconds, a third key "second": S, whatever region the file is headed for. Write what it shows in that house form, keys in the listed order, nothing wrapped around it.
{"hour": 4, "minute": 14}
